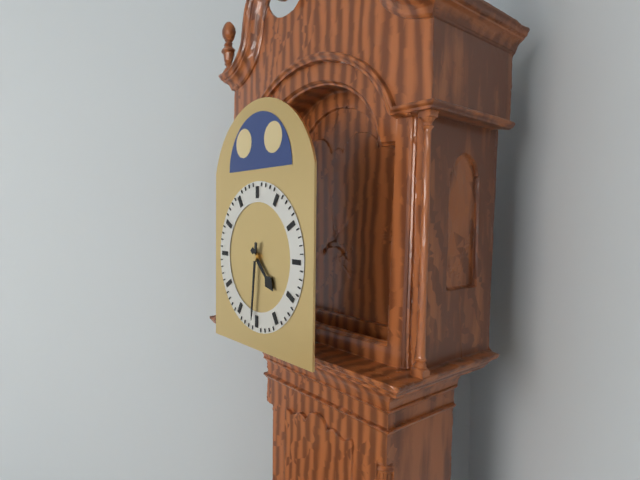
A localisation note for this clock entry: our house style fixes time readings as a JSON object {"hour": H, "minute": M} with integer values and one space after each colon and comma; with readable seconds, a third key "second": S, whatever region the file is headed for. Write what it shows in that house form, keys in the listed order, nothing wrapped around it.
{"hour": 4, "minute": 31}
